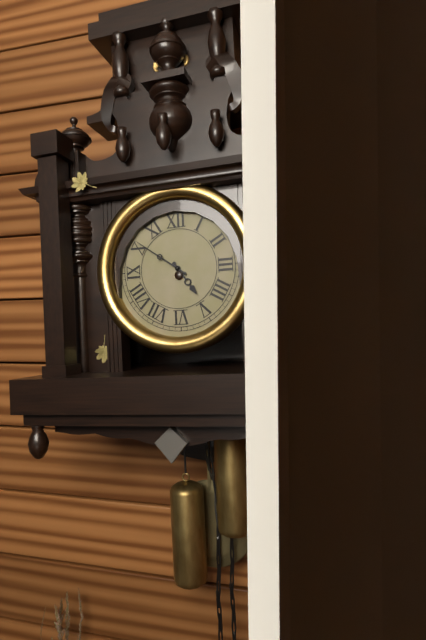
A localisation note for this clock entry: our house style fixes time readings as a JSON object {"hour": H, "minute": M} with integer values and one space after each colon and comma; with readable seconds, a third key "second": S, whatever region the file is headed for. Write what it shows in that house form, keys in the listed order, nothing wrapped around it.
{"hour": 4, "minute": 51}
